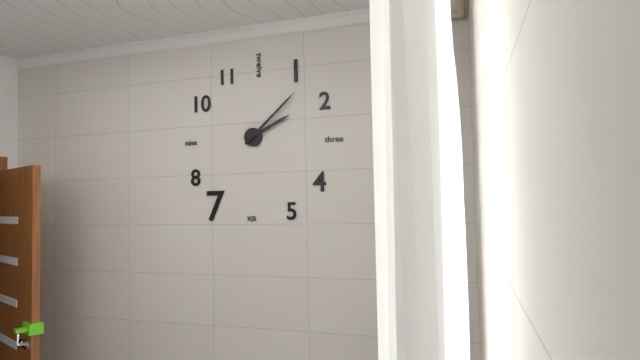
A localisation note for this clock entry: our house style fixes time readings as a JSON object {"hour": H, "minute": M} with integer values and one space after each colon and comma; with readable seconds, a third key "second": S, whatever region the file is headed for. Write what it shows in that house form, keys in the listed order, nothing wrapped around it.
{"hour": 2, "minute": 8}
